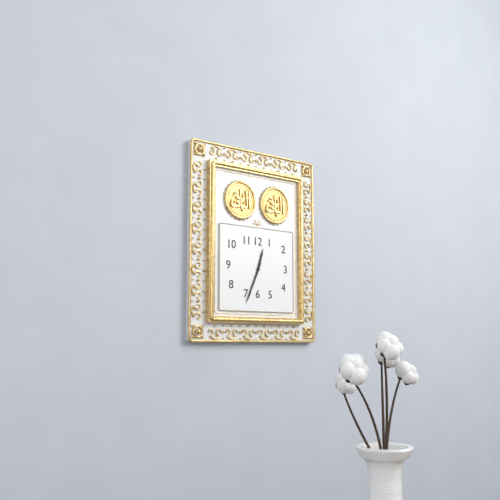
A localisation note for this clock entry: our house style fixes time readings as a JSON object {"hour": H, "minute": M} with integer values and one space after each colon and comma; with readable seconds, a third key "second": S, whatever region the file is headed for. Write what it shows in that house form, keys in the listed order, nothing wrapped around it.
{"hour": 12, "minute": 34}
